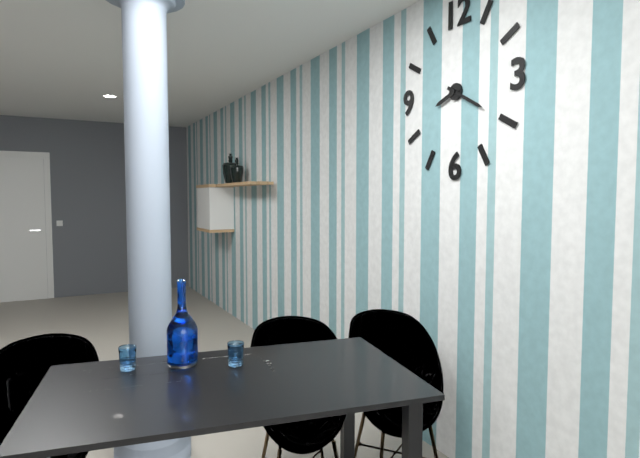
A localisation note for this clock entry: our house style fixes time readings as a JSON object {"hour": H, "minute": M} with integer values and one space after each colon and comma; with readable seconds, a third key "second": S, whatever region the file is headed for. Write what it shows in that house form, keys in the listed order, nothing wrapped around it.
{"hour": 8, "minute": 20}
